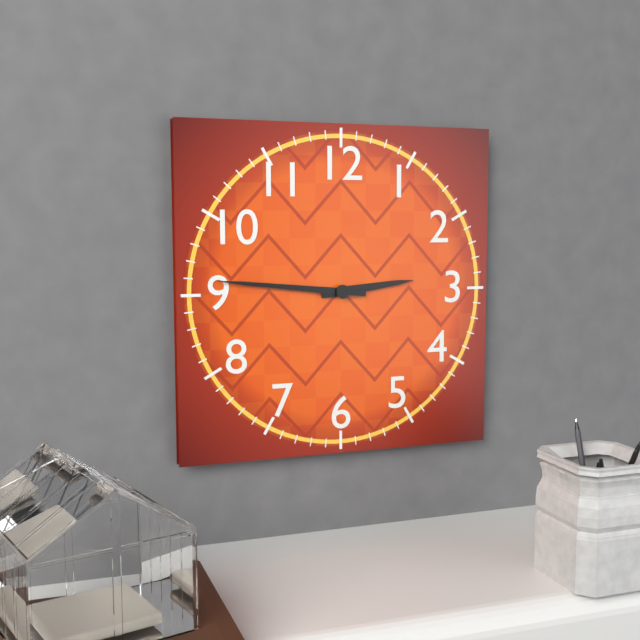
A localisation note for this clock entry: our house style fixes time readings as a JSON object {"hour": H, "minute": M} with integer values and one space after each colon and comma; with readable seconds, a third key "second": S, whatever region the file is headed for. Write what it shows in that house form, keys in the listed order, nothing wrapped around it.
{"hour": 2, "minute": 46}
